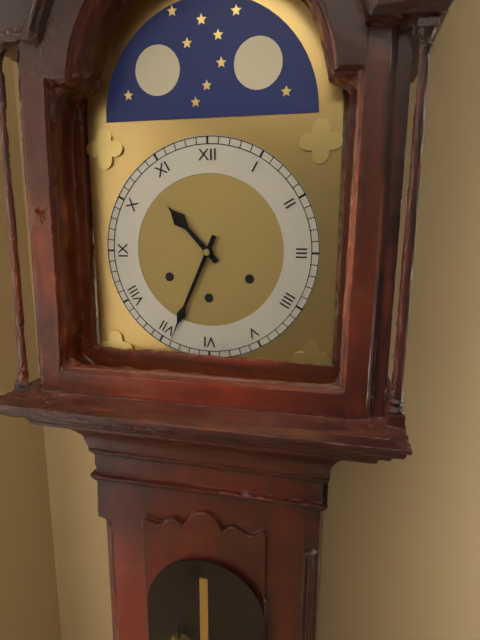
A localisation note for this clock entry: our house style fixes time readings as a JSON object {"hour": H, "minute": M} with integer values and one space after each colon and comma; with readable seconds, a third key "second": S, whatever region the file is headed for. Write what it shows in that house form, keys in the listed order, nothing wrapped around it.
{"hour": 10, "minute": 34}
